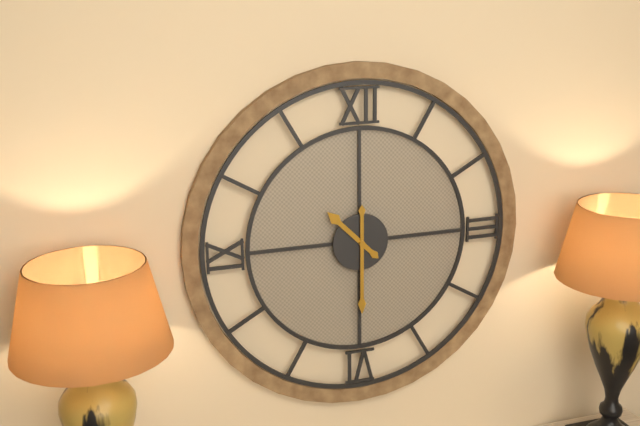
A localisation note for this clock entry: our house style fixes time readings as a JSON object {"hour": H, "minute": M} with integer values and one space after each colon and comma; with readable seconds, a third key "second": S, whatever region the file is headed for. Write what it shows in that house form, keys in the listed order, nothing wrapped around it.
{"hour": 10, "minute": 30}
